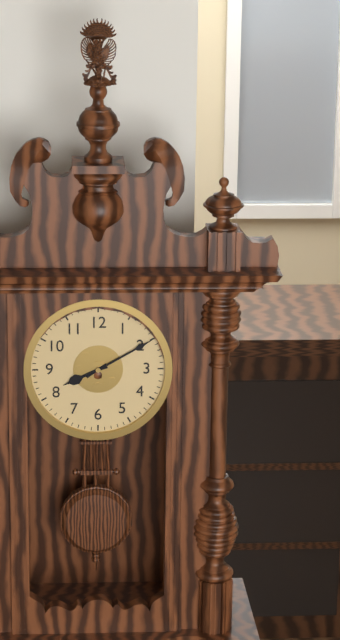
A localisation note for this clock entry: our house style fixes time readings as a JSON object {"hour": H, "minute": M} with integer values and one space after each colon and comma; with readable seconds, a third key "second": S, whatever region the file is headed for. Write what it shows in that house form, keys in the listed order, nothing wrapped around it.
{"hour": 8, "minute": 10}
